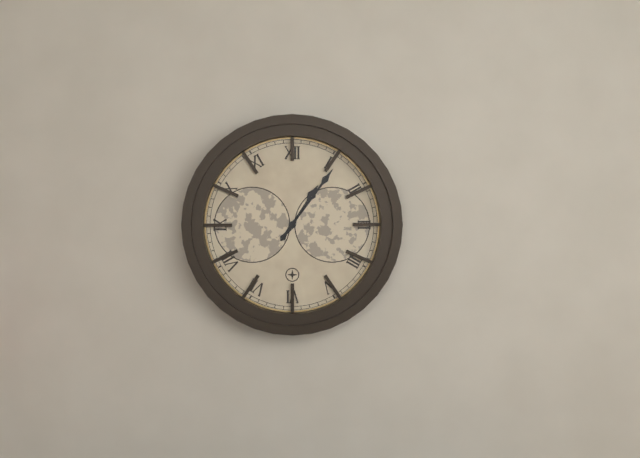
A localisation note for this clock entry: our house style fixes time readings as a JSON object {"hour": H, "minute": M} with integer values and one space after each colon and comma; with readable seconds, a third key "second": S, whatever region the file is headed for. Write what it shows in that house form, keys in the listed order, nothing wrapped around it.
{"hour": 1, "minute": 6}
